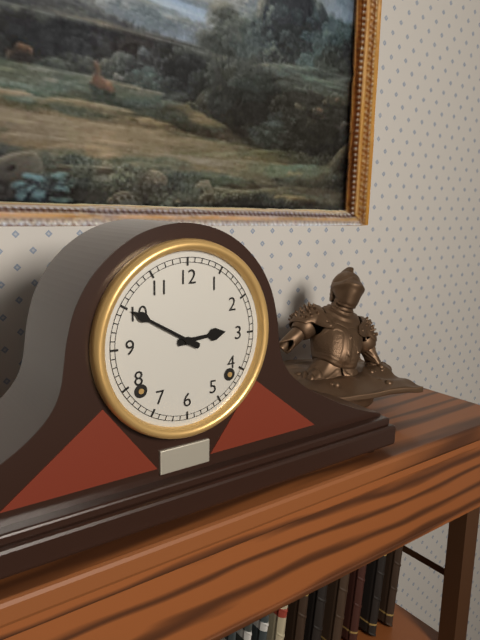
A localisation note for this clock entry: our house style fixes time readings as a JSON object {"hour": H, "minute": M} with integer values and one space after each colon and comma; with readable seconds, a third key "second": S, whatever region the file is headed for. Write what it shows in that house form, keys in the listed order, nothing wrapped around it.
{"hour": 2, "minute": 50}
